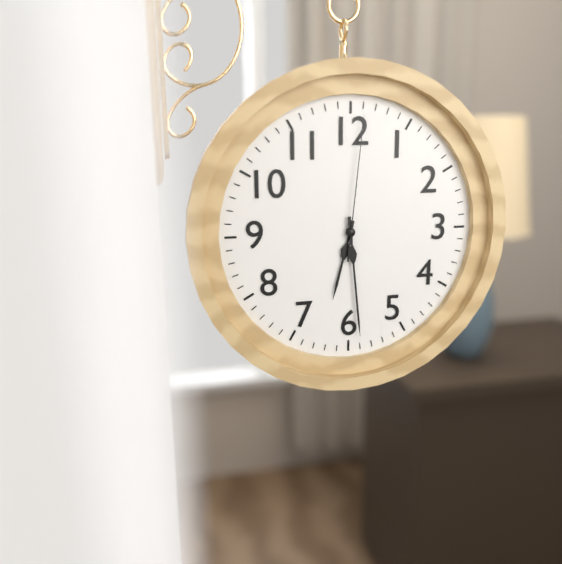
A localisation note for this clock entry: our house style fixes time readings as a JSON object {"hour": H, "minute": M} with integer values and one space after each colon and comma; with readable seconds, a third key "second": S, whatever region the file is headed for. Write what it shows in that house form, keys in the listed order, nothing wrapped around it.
{"hour": 6, "minute": 29, "second": 1}
